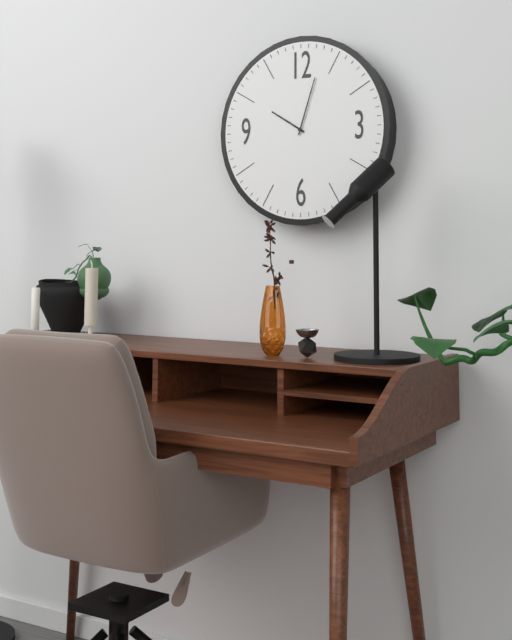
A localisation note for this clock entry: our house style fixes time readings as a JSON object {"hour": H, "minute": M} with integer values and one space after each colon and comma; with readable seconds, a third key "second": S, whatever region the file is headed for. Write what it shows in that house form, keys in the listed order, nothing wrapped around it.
{"hour": 10, "minute": 3}
